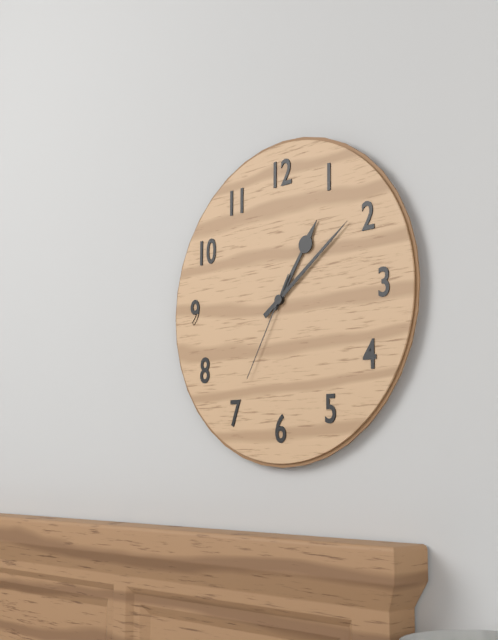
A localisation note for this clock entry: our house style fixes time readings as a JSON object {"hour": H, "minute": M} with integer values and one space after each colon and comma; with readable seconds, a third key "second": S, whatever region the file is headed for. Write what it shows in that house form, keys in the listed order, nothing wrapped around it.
{"hour": 1, "minute": 9, "second": 35}
